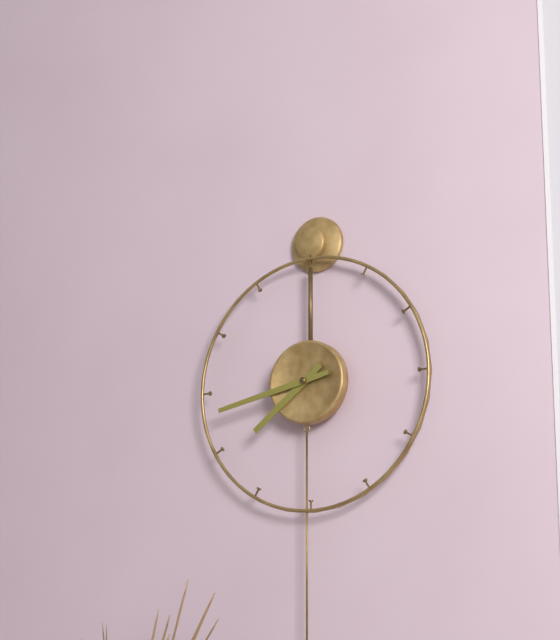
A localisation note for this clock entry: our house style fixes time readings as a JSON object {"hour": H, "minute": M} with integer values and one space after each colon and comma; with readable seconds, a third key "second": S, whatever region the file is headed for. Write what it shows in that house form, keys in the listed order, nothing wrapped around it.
{"hour": 7, "minute": 43}
